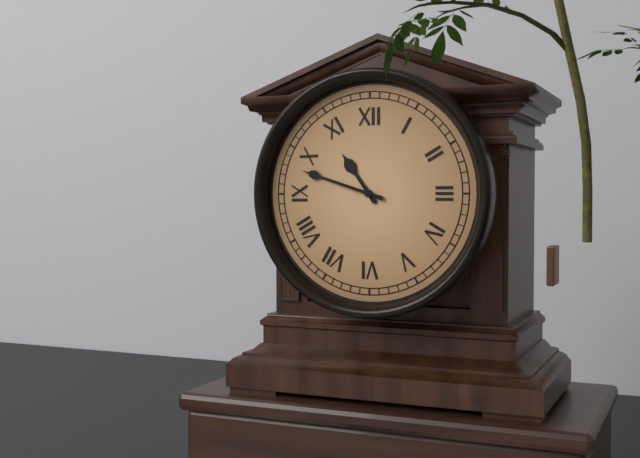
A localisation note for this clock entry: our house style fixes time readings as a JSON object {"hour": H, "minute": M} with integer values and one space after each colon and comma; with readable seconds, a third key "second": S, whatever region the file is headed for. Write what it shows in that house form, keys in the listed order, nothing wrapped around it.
{"hour": 10, "minute": 48}
